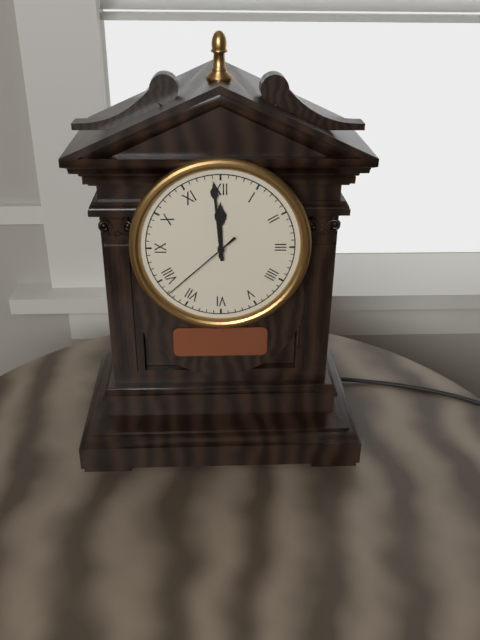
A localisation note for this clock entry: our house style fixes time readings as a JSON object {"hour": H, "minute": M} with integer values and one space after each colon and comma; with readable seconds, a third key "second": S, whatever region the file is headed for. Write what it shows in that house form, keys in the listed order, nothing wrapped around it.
{"hour": 11, "minute": 59, "second": 38}
